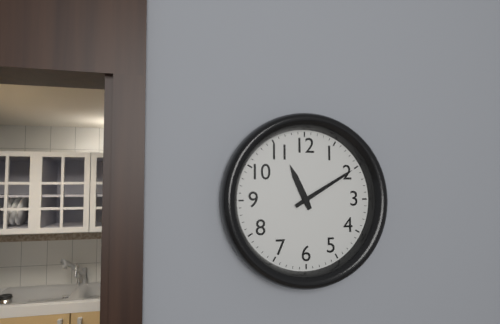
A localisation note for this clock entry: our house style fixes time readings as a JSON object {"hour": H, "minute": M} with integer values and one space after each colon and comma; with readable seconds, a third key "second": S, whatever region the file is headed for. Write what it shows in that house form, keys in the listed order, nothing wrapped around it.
{"hour": 11, "minute": 10}
